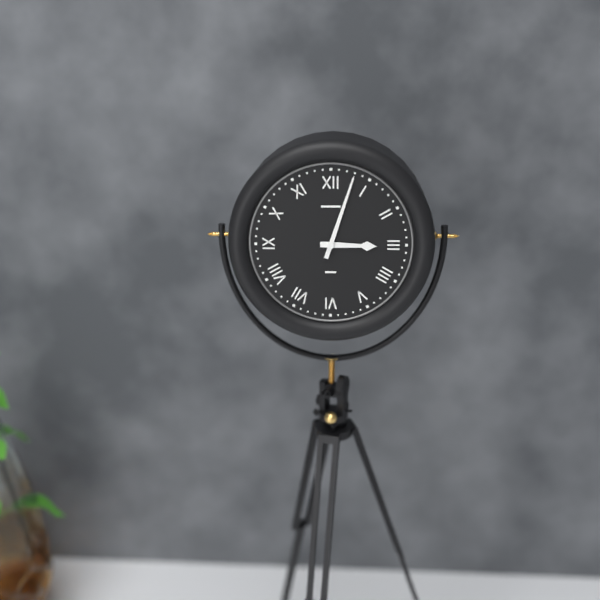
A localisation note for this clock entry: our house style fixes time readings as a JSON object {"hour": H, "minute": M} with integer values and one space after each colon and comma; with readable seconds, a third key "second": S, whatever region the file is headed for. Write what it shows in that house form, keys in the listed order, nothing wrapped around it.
{"hour": 3, "minute": 3}
